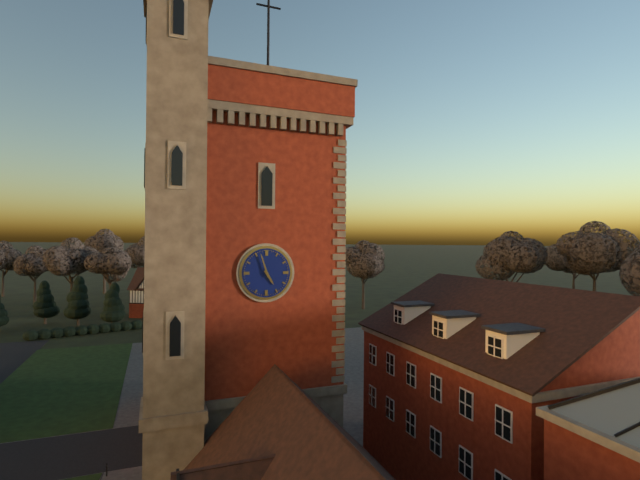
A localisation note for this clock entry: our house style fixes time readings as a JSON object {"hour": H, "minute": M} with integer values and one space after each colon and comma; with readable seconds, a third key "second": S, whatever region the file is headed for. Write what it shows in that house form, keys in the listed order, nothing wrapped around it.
{"hour": 4, "minute": 57}
